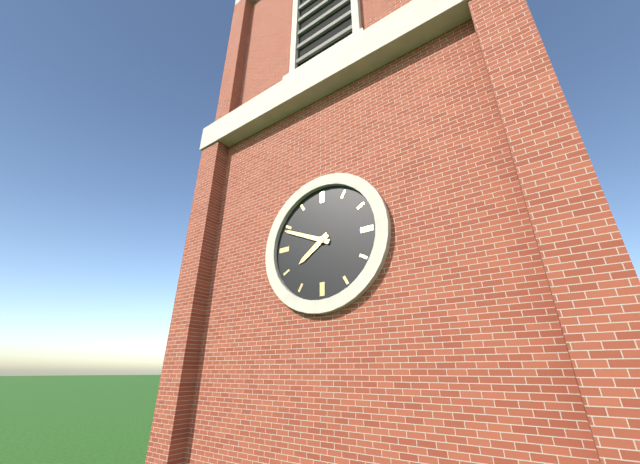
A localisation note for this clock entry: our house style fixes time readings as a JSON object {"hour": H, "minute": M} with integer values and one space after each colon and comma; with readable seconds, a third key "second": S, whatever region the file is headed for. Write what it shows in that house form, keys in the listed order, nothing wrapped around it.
{"hour": 7, "minute": 49}
